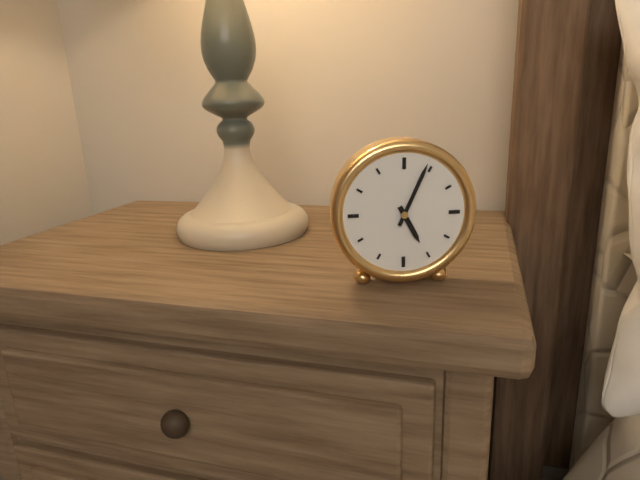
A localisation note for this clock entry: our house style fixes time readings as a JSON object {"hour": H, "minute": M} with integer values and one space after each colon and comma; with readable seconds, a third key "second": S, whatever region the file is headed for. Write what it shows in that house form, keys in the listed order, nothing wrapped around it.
{"hour": 5, "minute": 4}
